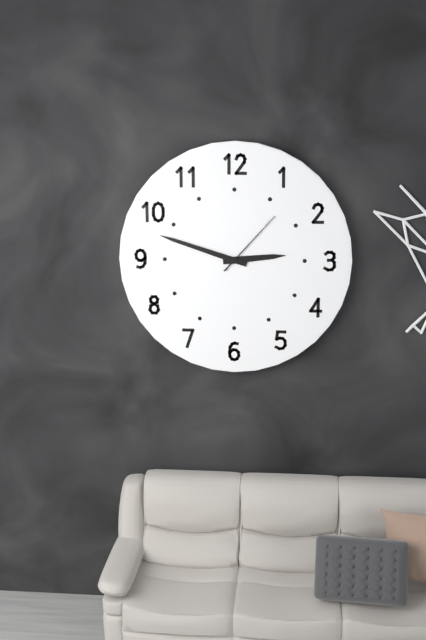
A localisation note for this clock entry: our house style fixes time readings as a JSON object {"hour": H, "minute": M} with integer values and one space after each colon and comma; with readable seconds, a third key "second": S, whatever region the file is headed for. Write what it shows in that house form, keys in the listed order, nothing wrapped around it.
{"hour": 2, "minute": 48, "second": 7}
